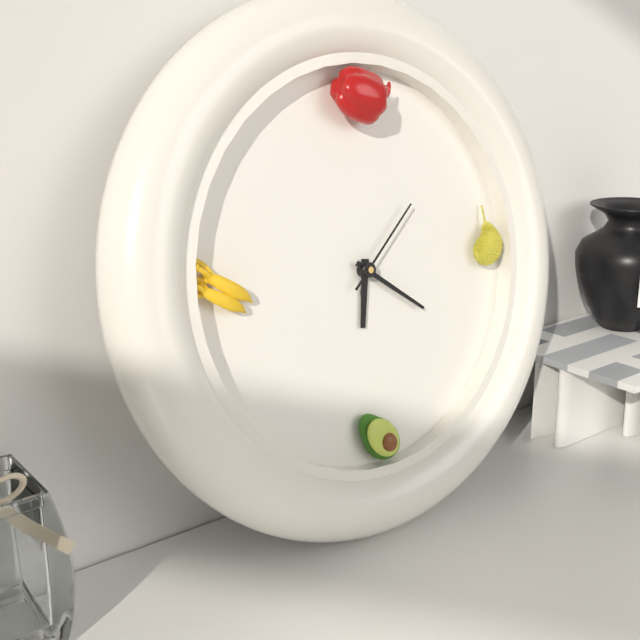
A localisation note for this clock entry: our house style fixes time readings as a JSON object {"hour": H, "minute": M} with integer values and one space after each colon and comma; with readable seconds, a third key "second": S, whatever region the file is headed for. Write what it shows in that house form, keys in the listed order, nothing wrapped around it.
{"hour": 6, "minute": 21, "second": 8}
